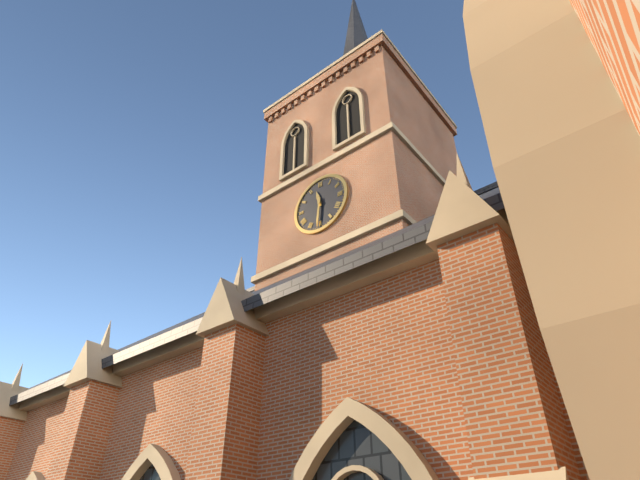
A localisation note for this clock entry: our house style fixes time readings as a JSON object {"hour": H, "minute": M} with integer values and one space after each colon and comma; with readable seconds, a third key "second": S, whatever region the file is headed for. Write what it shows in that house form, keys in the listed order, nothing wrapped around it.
{"hour": 11, "minute": 31}
